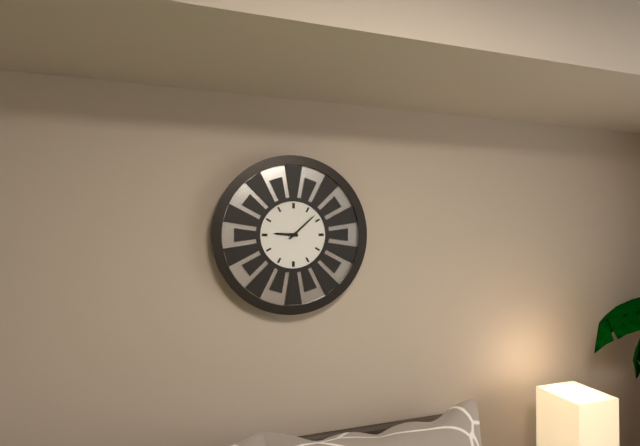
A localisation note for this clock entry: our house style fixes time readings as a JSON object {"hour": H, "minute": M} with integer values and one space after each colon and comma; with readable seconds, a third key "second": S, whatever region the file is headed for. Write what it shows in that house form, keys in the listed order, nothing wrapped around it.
{"hour": 9, "minute": 8}
